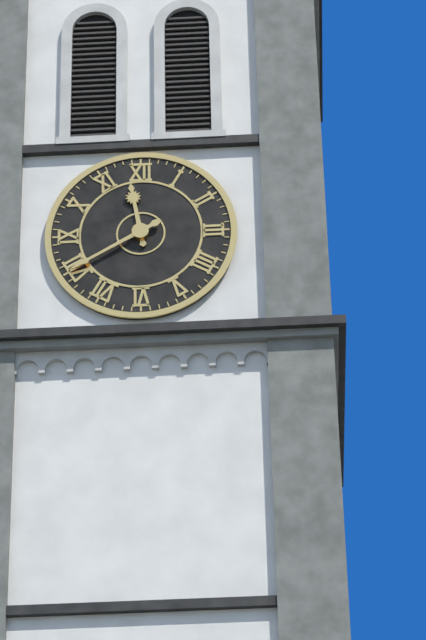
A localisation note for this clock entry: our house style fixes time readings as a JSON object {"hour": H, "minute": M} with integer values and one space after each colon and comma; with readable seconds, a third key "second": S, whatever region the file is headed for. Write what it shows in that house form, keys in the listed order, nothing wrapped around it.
{"hour": 11, "minute": 40}
